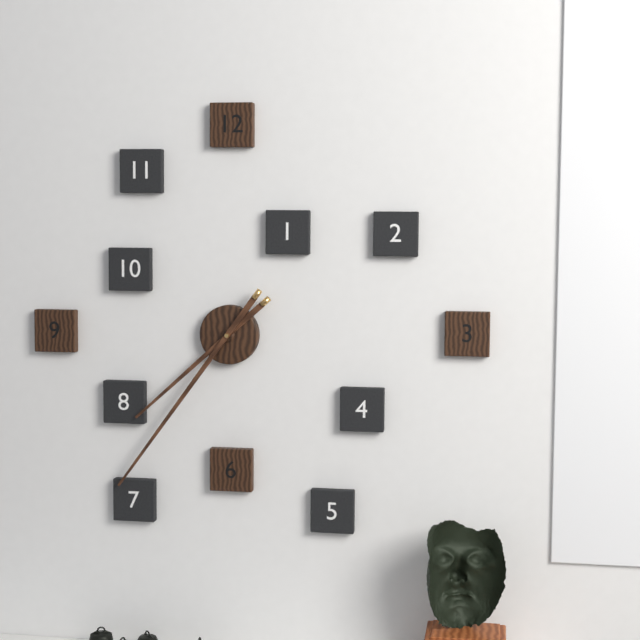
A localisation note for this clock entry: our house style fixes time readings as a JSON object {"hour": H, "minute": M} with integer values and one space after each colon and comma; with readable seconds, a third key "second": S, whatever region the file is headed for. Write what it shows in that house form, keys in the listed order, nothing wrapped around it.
{"hour": 7, "minute": 36}
